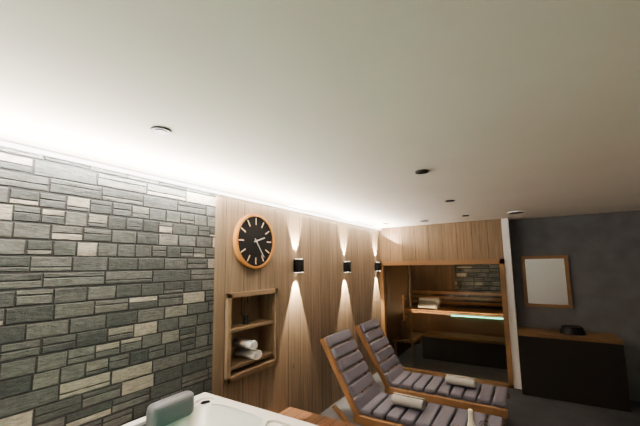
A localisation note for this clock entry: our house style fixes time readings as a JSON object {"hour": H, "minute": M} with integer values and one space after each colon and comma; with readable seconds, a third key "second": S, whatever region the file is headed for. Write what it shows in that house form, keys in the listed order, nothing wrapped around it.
{"hour": 2, "minute": 24}
